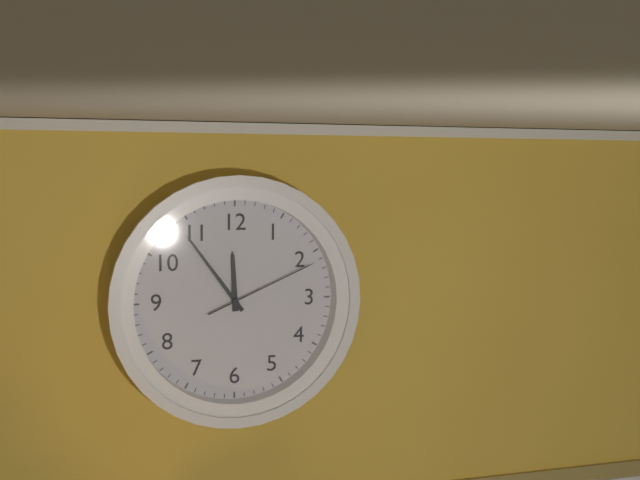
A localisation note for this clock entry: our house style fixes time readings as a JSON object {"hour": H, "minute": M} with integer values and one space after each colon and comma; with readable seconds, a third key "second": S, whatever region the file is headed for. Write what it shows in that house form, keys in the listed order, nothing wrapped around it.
{"hour": 11, "minute": 54, "second": 11}
